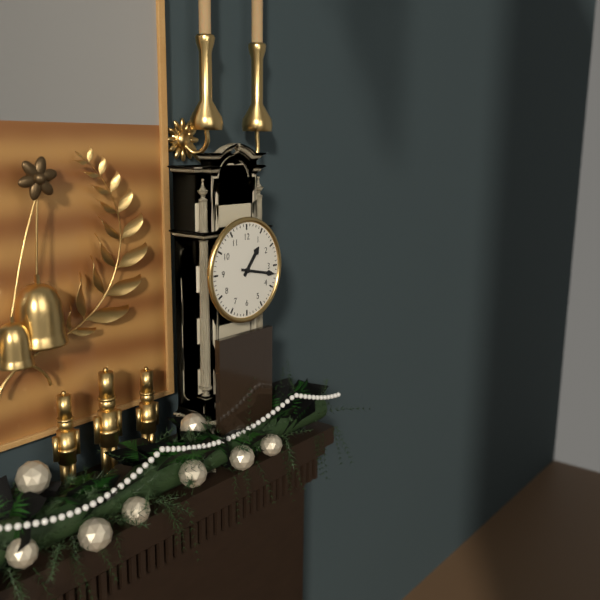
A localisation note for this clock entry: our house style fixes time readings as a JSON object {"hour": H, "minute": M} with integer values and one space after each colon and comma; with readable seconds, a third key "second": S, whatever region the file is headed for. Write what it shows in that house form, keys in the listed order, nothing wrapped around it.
{"hour": 1, "minute": 17}
